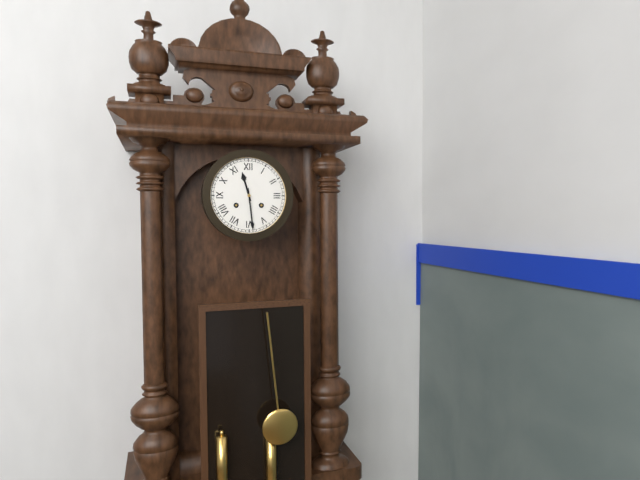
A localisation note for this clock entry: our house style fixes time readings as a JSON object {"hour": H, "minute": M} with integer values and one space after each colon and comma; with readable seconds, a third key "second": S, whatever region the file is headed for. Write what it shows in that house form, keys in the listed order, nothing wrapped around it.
{"hour": 11, "minute": 29}
